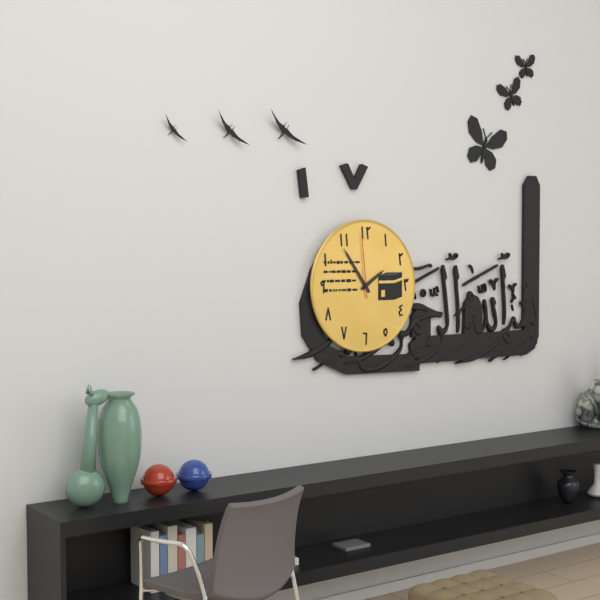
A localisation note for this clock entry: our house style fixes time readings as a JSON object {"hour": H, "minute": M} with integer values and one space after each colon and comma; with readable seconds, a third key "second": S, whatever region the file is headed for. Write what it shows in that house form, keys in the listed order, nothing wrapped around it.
{"hour": 1, "minute": 54, "second": 59}
